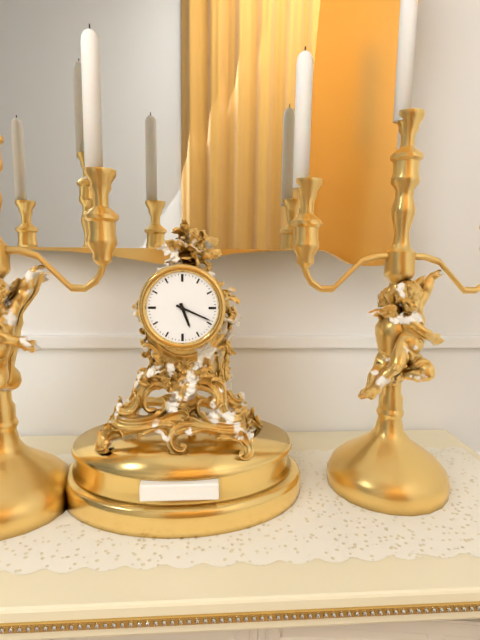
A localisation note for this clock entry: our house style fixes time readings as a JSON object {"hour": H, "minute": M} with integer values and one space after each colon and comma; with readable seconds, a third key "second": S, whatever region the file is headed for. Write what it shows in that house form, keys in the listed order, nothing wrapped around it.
{"hour": 5, "minute": 19}
